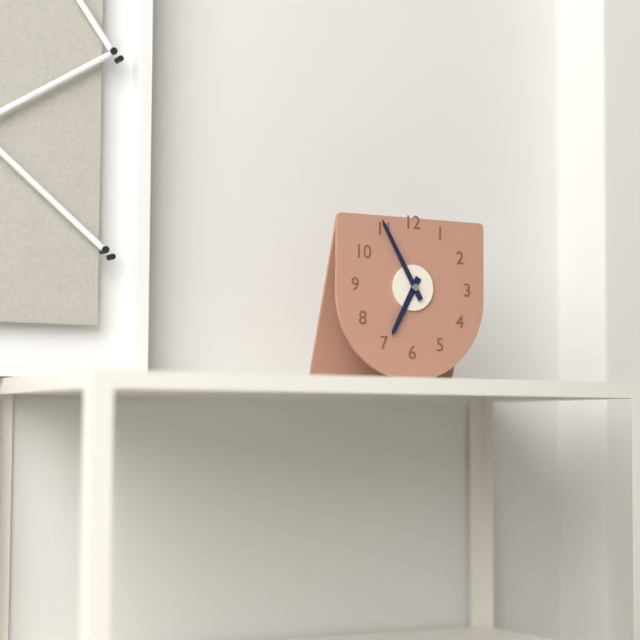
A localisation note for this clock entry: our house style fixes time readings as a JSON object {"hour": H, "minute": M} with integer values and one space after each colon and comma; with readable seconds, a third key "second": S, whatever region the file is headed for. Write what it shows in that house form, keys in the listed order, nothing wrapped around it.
{"hour": 6, "minute": 55}
